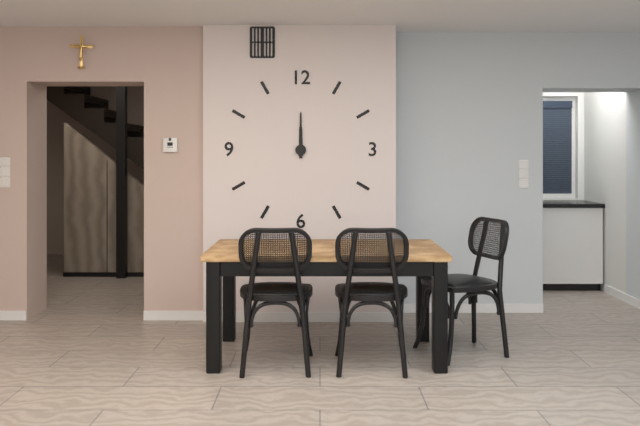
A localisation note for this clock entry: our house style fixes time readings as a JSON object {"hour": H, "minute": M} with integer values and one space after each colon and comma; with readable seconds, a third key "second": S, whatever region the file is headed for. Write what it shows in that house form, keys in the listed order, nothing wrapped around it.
{"hour": 12, "minute": 0}
